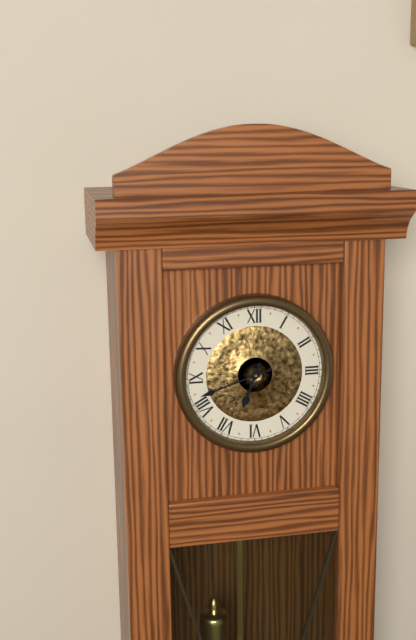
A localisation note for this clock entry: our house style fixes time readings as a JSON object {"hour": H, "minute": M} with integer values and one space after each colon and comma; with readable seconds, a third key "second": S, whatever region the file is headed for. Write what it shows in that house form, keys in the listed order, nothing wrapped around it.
{"hour": 6, "minute": 42}
